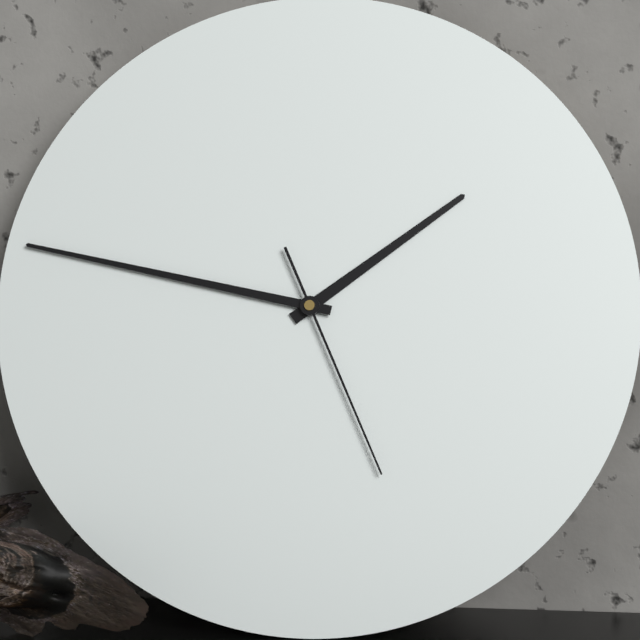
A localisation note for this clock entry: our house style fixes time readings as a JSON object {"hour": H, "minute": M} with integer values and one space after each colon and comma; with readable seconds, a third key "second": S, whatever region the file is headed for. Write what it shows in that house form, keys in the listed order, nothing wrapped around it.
{"hour": 1, "minute": 47, "second": 26}
